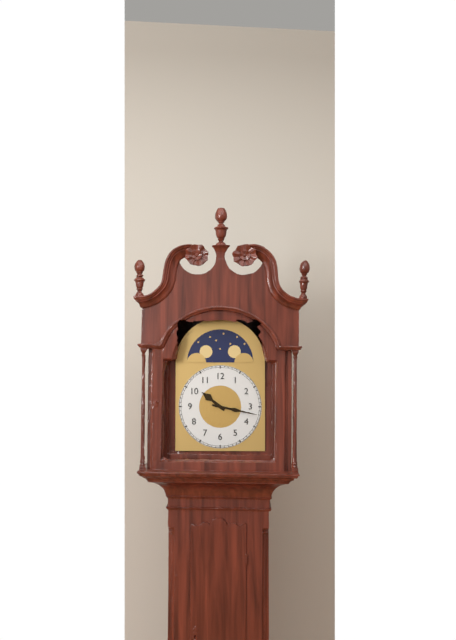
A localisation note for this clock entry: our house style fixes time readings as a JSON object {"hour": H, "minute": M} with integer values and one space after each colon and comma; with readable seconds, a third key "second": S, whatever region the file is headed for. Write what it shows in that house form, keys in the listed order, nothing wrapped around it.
{"hour": 10, "minute": 17}
